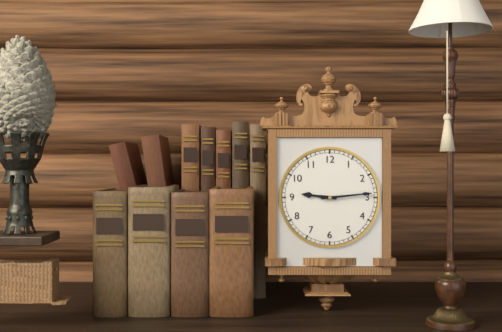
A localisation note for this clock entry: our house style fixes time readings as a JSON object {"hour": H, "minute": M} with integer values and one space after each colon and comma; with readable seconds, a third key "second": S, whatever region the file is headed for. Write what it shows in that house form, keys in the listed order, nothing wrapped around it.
{"hour": 9, "minute": 14}
